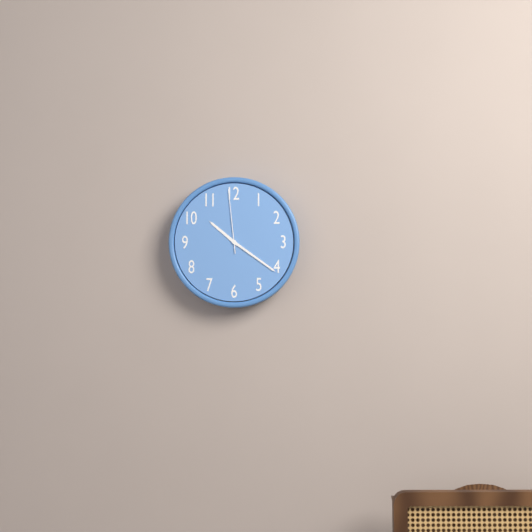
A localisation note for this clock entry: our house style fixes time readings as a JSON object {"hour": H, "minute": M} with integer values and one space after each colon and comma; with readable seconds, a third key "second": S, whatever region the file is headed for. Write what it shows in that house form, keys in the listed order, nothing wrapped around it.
{"hour": 10, "minute": 21, "second": 59}
